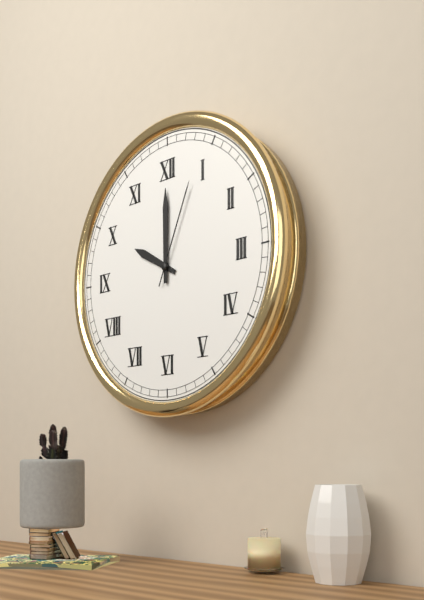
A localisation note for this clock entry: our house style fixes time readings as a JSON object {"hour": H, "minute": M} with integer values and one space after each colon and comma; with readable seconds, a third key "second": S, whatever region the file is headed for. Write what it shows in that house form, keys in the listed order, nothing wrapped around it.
{"hour": 10, "minute": 0, "second": 4}
